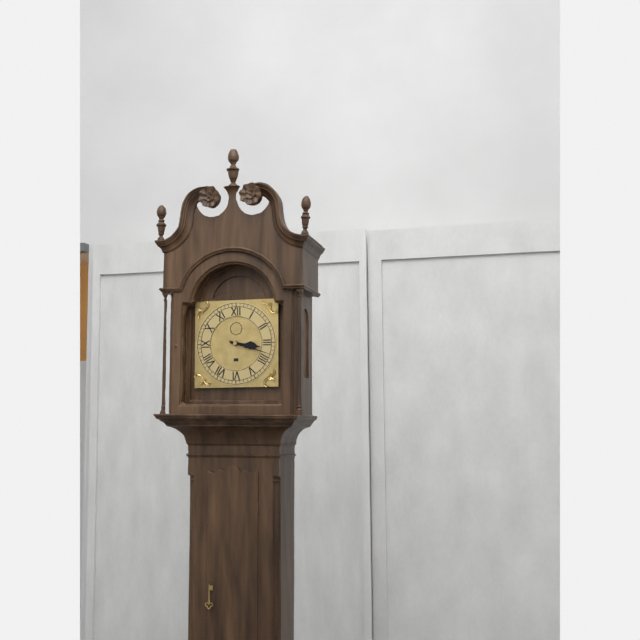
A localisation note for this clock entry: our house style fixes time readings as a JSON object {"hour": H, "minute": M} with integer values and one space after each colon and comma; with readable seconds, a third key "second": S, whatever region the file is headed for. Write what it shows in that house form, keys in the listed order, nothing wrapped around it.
{"hour": 3, "minute": 18}
